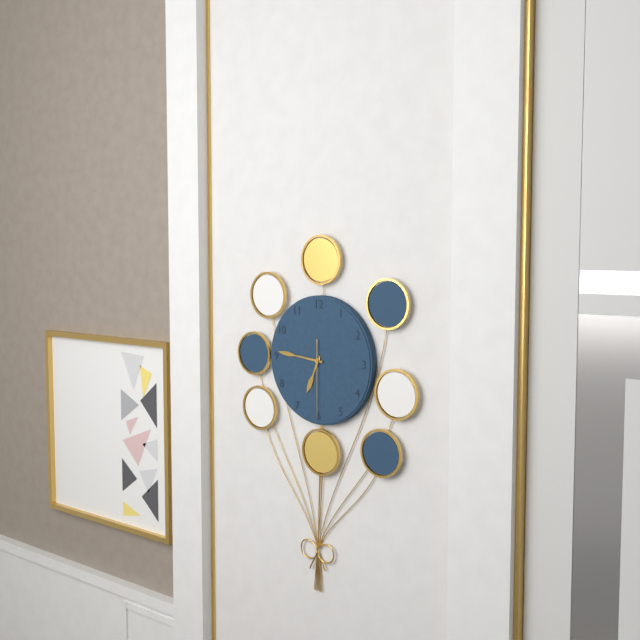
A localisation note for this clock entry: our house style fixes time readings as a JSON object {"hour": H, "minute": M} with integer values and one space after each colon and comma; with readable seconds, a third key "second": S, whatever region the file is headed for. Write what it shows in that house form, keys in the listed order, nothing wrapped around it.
{"hour": 6, "minute": 46, "second": 30}
